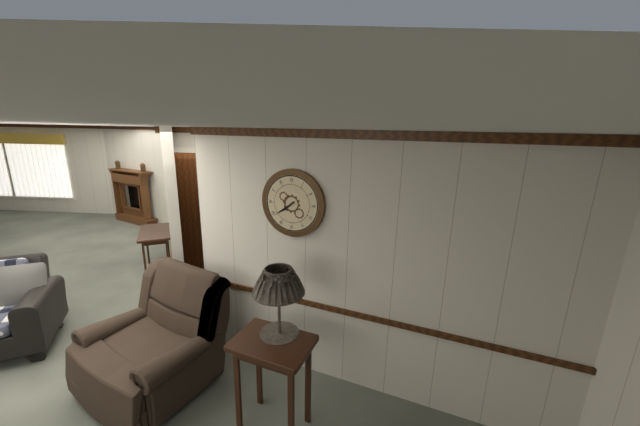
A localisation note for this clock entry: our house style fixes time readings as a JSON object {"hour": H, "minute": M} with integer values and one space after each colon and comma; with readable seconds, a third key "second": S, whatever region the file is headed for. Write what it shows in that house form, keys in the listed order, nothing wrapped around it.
{"hour": 7, "minute": 39}
